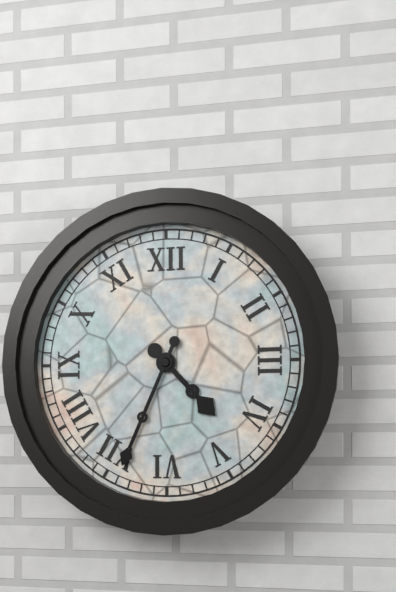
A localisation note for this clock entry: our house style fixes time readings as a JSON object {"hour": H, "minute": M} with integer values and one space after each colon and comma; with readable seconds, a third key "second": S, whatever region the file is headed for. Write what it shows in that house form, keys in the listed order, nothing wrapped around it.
{"hour": 4, "minute": 34}
